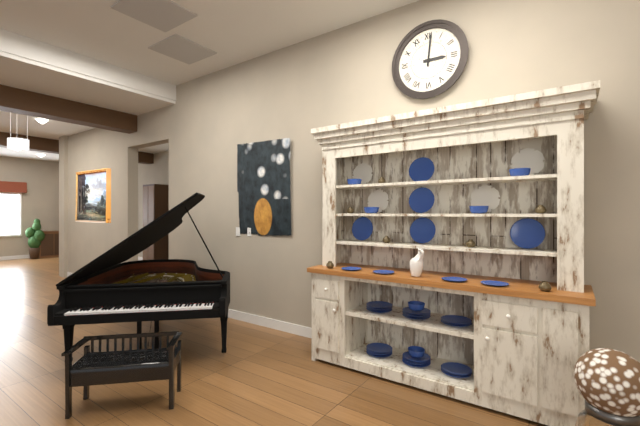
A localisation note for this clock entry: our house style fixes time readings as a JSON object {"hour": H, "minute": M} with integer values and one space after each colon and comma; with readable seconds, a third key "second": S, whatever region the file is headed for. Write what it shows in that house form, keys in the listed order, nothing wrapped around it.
{"hour": 3, "minute": 1}
